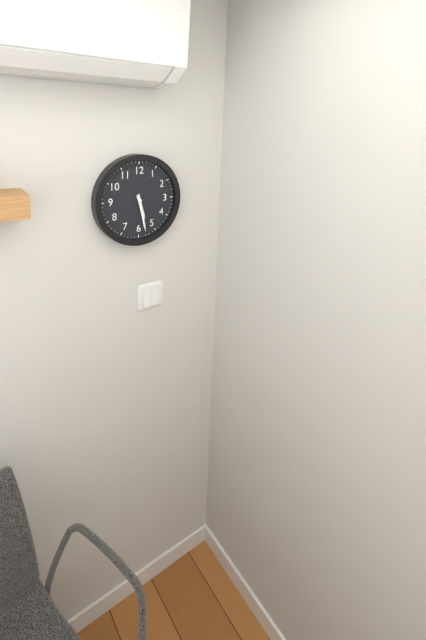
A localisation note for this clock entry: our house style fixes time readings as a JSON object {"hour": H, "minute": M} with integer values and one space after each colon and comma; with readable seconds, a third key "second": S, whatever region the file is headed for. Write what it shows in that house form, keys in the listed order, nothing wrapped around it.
{"hour": 5, "minute": 28}
